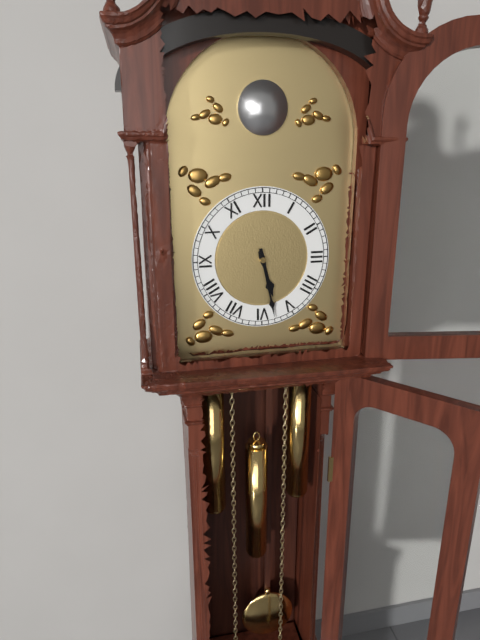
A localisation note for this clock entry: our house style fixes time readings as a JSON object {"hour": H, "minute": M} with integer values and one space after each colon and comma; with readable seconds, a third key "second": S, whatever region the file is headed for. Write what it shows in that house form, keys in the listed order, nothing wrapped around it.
{"hour": 5, "minute": 28}
